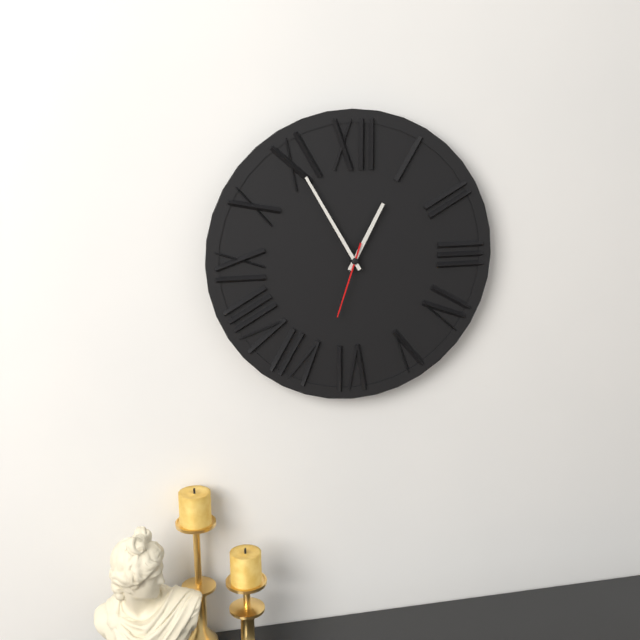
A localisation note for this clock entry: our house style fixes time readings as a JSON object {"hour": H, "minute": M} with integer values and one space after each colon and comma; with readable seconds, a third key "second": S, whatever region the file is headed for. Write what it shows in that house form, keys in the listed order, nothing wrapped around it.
{"hour": 12, "minute": 55, "second": 33}
